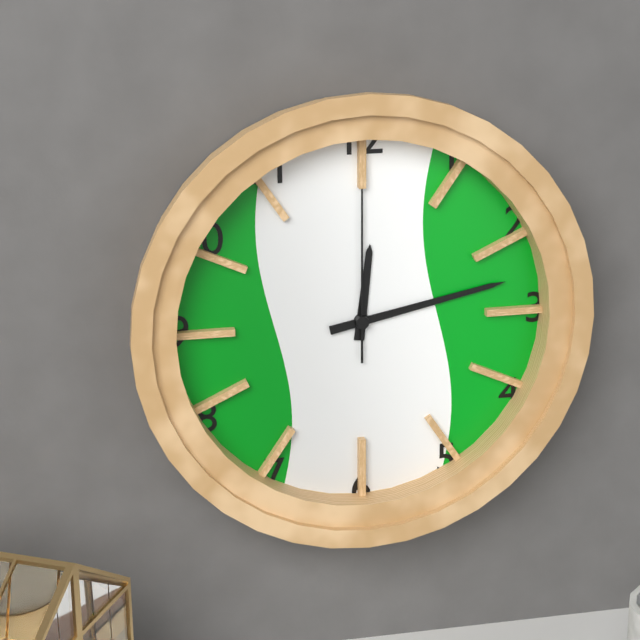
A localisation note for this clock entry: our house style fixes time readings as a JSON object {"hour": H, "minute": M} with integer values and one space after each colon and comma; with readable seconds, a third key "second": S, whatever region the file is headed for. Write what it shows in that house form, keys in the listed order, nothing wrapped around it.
{"hour": 12, "minute": 13, "second": 0}
